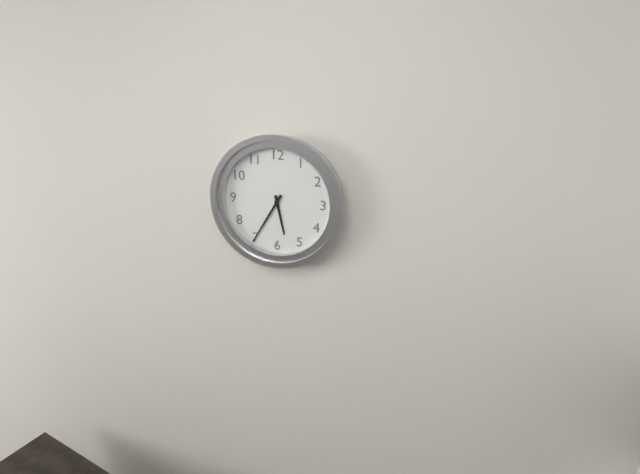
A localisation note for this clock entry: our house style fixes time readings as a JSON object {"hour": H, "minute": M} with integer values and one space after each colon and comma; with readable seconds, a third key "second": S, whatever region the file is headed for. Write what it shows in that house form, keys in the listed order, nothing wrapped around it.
{"hour": 5, "minute": 35}
